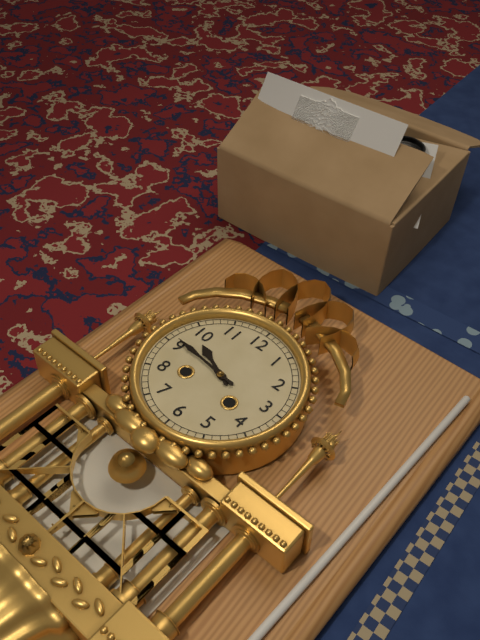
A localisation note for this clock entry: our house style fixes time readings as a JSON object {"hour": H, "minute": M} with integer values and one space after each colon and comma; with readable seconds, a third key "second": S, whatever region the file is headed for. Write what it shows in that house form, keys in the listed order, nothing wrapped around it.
{"hour": 9, "minute": 46}
